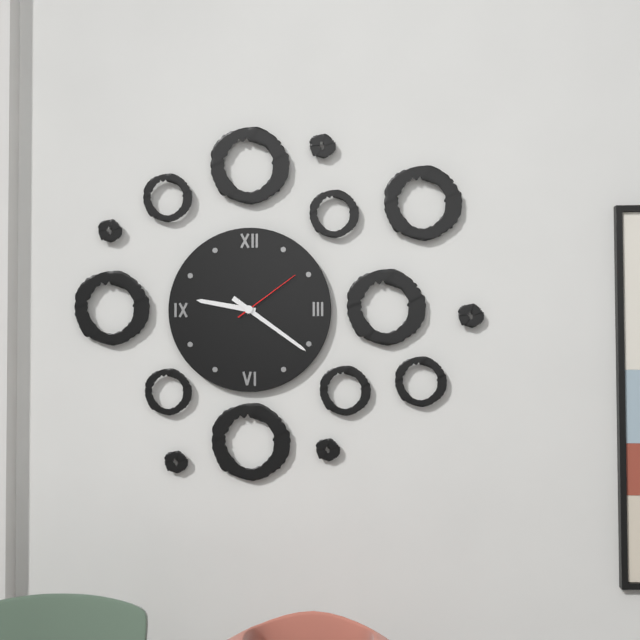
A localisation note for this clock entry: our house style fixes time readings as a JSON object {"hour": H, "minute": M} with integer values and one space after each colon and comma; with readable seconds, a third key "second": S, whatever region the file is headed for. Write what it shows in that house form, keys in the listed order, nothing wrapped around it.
{"hour": 9, "minute": 21, "second": 9}
